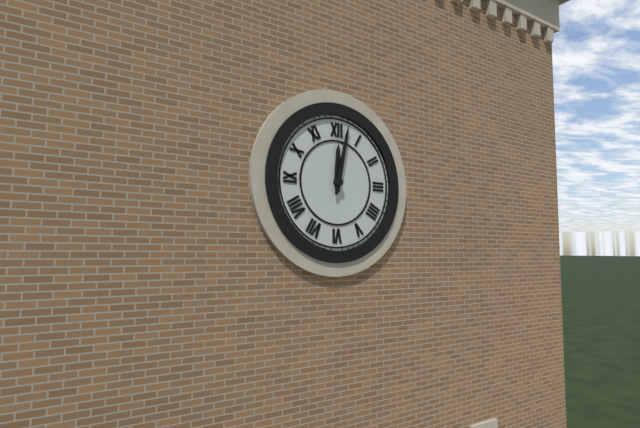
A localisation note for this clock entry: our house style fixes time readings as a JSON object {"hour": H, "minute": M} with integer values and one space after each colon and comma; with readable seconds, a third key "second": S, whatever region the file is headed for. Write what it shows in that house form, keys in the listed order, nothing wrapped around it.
{"hour": 12, "minute": 2}
